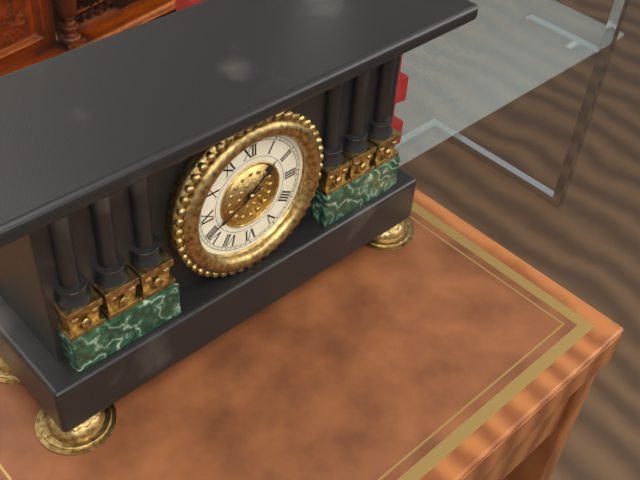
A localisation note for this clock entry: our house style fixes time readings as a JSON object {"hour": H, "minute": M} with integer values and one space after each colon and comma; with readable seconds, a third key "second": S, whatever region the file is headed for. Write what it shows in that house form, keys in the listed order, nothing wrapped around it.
{"hour": 1, "minute": 41}
